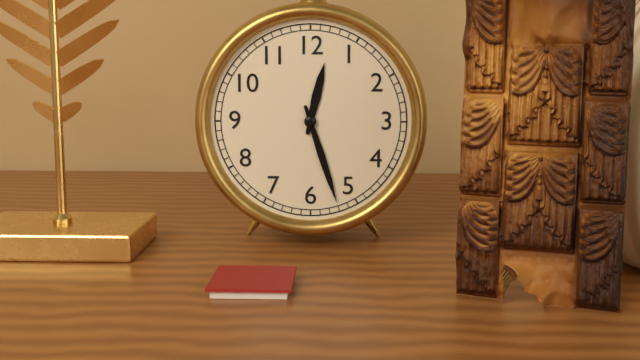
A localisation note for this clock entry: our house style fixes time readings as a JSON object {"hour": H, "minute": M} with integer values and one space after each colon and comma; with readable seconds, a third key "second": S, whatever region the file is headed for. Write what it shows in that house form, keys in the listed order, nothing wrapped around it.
{"hour": 12, "minute": 27}
